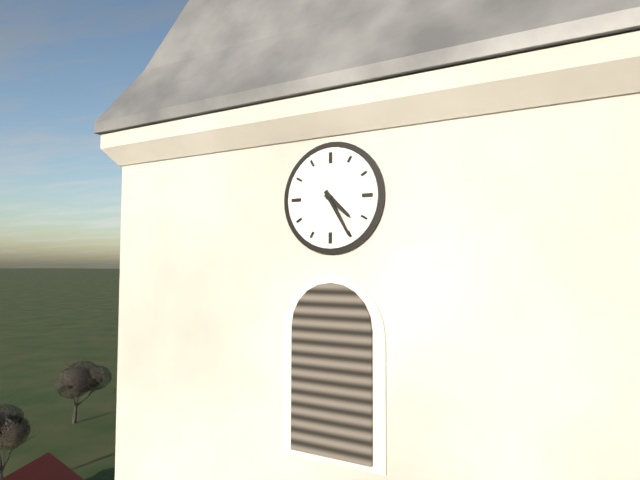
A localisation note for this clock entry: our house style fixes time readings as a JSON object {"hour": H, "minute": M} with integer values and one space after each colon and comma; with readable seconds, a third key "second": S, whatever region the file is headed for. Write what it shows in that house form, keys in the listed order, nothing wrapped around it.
{"hour": 4, "minute": 25}
